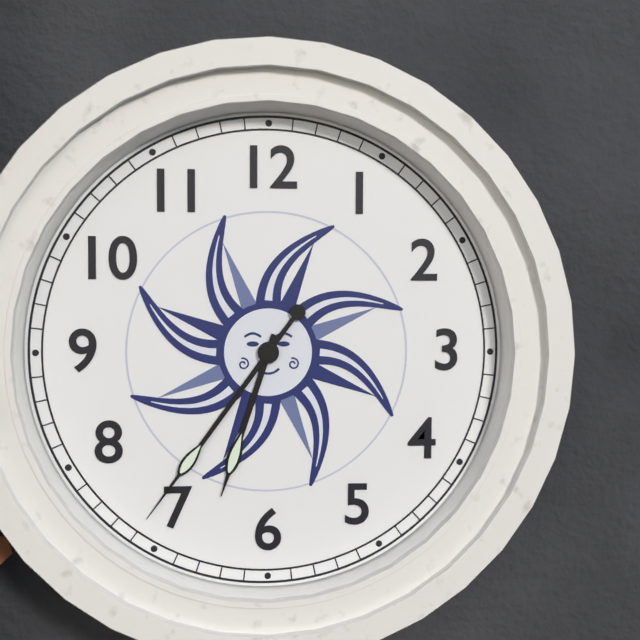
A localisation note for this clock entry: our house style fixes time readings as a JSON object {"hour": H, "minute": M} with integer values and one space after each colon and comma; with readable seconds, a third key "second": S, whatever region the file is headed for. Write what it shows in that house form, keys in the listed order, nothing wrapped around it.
{"hour": 6, "minute": 36}
